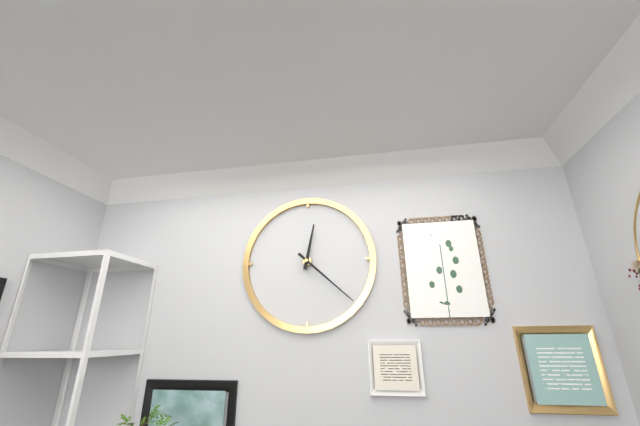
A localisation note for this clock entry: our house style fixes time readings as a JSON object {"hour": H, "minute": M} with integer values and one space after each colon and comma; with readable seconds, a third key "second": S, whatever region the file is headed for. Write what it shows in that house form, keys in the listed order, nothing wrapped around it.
{"hour": 12, "minute": 22}
